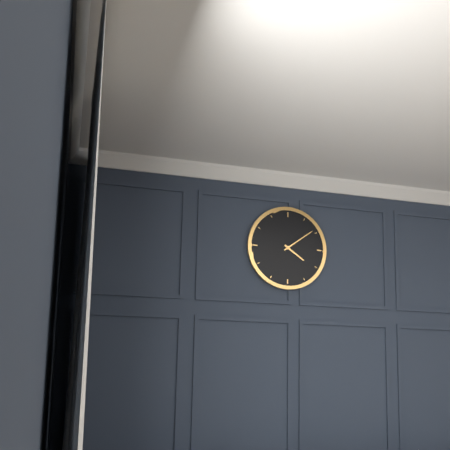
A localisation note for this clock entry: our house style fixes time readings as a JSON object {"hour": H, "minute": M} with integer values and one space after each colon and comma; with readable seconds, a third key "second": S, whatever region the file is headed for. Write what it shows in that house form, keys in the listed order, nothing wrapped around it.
{"hour": 4, "minute": 9}
